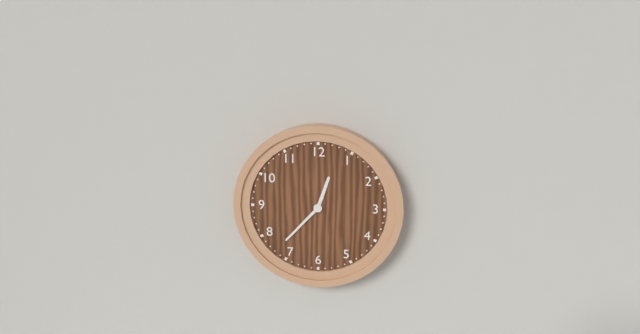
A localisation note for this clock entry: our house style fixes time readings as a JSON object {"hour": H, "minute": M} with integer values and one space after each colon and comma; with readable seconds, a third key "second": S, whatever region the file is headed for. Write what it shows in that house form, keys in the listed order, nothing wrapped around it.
{"hour": 12, "minute": 37}
